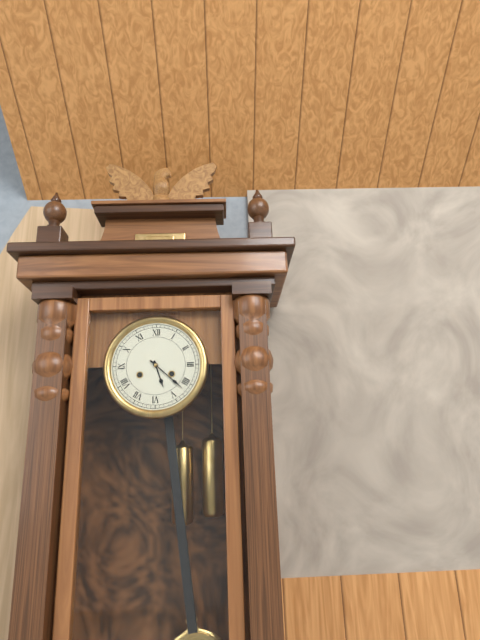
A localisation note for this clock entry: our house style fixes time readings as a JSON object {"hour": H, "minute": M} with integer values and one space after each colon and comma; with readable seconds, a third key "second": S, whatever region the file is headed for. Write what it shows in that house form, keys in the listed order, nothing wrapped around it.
{"hour": 5, "minute": 22}
